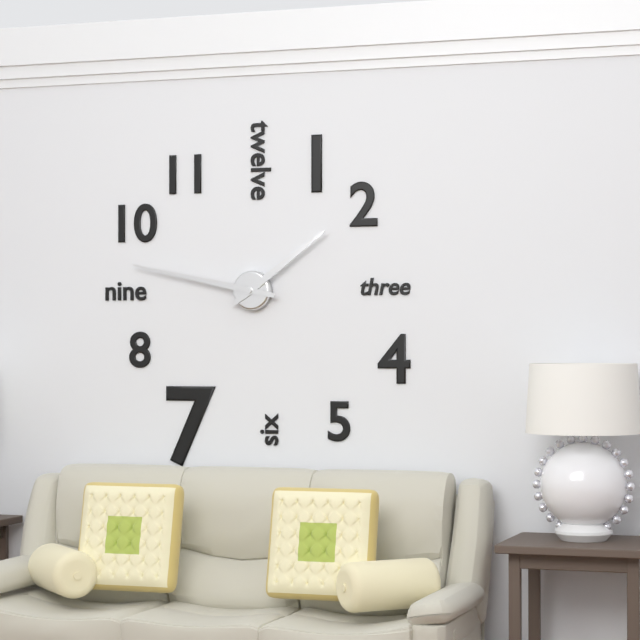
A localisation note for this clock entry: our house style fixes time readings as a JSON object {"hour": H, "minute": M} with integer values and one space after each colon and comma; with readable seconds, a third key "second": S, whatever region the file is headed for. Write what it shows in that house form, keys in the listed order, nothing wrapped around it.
{"hour": 1, "minute": 47}
